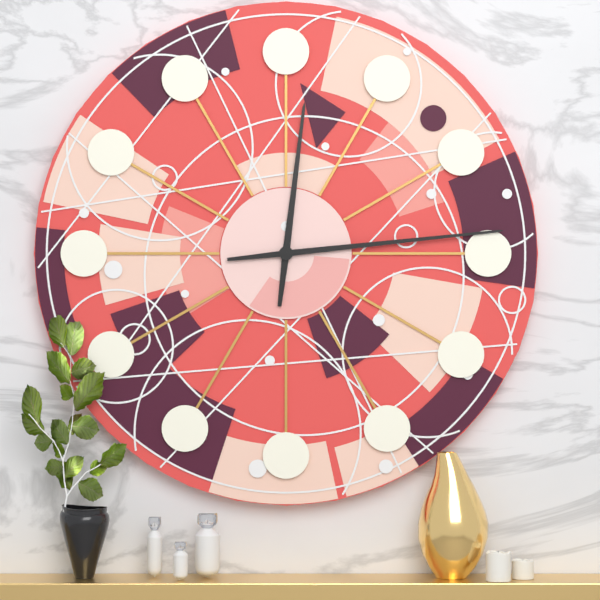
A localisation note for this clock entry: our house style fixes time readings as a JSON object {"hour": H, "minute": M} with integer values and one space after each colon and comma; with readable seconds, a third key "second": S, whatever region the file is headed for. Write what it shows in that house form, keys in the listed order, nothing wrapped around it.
{"hour": 12, "minute": 14}
